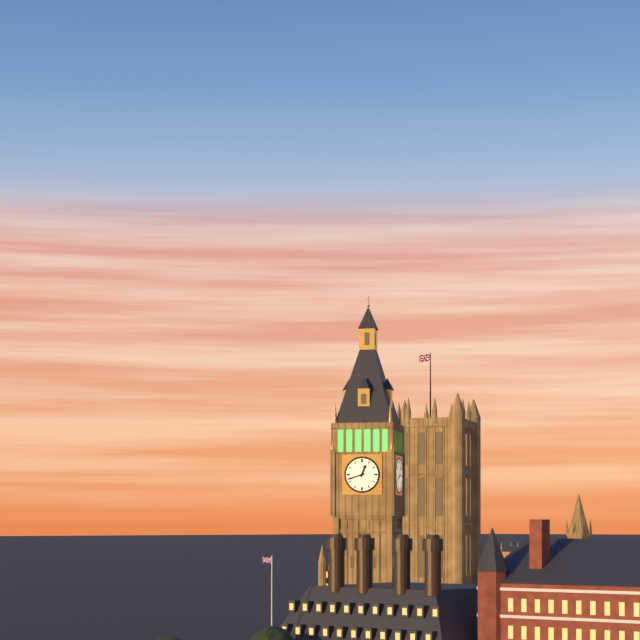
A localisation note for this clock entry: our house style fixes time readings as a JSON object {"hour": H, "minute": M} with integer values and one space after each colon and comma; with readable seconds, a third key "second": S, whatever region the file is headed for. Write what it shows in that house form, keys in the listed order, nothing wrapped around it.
{"hour": 12, "minute": 42}
